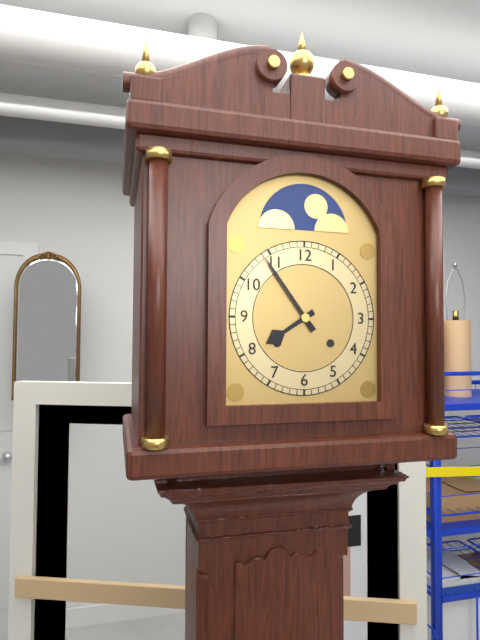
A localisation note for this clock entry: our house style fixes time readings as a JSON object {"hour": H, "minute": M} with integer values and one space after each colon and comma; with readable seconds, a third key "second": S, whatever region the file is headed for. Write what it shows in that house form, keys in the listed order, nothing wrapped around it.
{"hour": 7, "minute": 54}
